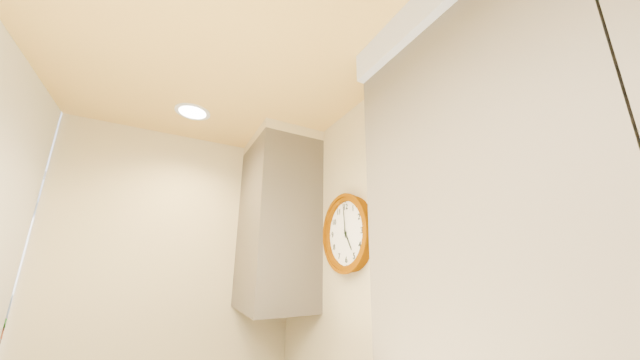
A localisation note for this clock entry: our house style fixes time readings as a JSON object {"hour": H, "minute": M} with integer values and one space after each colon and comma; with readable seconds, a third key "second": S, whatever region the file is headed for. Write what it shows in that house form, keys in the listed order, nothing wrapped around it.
{"hour": 4, "minute": 59}
